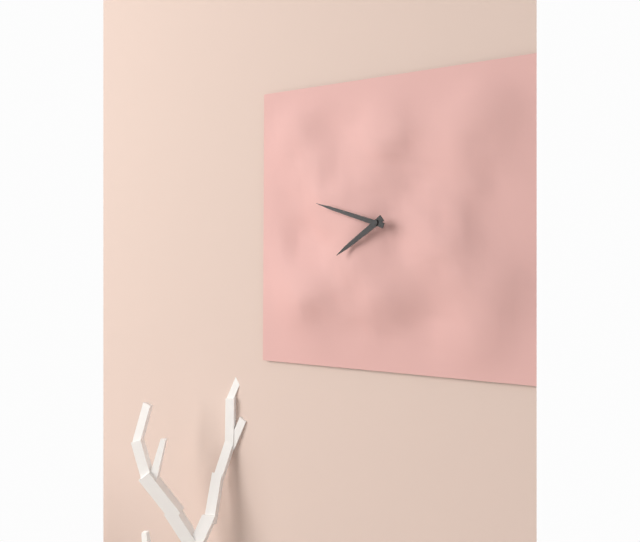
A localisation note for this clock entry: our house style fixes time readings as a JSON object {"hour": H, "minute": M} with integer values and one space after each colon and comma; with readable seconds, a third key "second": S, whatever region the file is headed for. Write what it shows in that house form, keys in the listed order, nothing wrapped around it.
{"hour": 7, "minute": 48}
